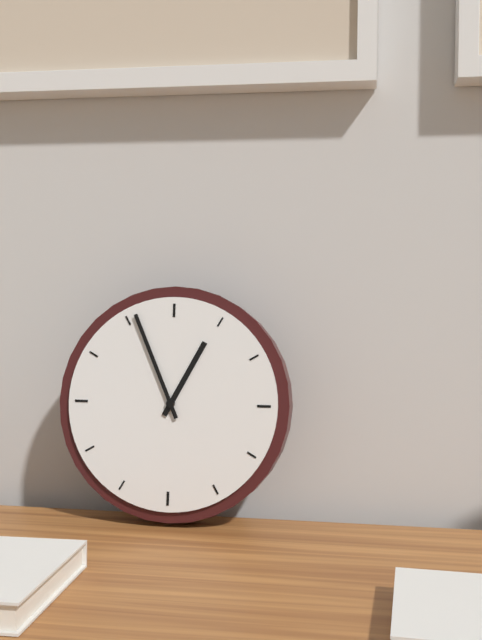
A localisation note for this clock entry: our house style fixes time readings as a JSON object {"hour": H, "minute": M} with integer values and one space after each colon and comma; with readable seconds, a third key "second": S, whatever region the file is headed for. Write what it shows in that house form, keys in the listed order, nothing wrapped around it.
{"hour": 12, "minute": 56}
